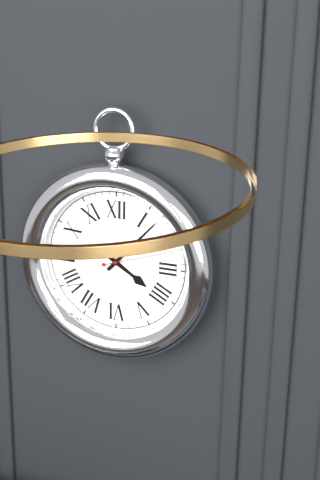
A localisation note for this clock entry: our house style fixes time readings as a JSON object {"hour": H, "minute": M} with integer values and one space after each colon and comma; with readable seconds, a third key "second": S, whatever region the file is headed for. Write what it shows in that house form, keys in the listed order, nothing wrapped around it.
{"hour": 4, "minute": 7, "second": 12}
